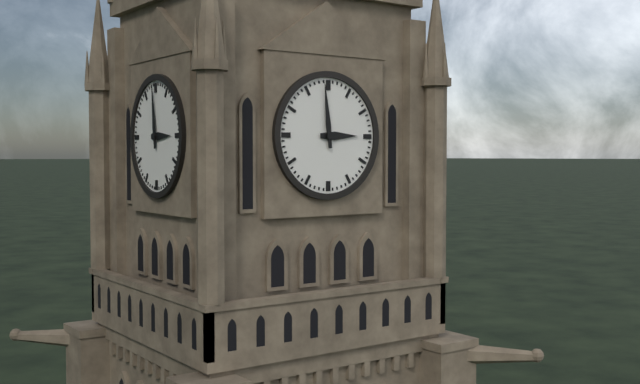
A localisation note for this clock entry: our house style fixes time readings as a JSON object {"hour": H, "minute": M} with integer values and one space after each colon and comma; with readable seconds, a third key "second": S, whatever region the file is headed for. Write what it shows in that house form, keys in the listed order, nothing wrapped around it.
{"hour": 2, "minute": 59}
